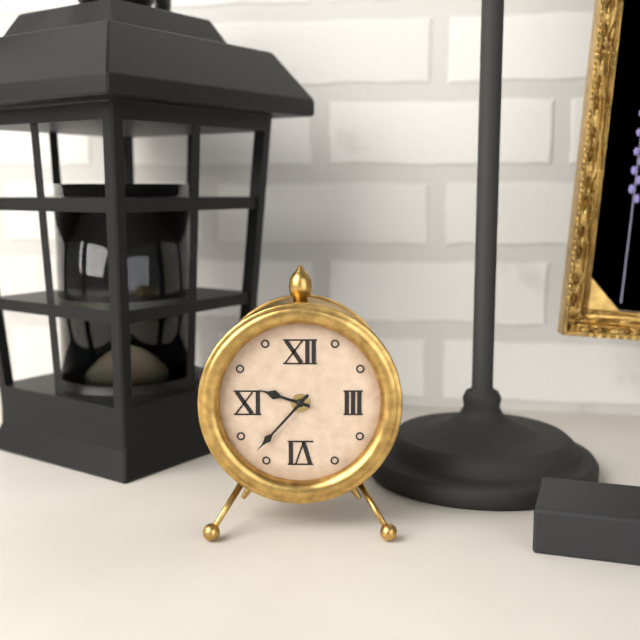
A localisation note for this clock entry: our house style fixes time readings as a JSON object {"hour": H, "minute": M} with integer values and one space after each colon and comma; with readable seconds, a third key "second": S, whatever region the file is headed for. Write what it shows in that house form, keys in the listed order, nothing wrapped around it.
{"hour": 9, "minute": 37}
